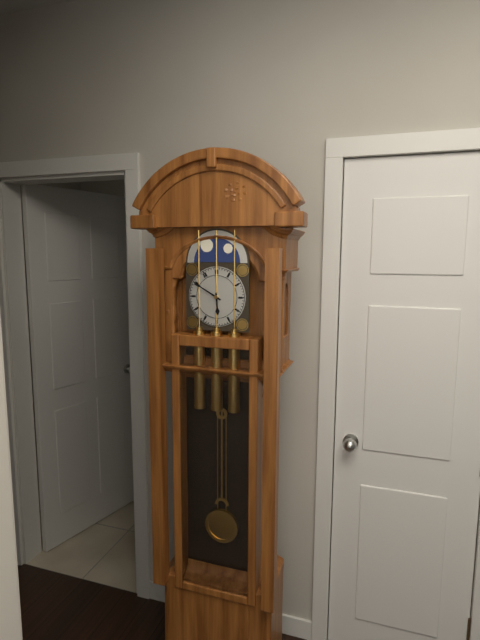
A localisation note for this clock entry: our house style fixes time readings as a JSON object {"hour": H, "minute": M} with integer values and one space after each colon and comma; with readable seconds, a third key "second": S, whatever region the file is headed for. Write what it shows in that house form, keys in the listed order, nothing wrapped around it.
{"hour": 5, "minute": 50}
